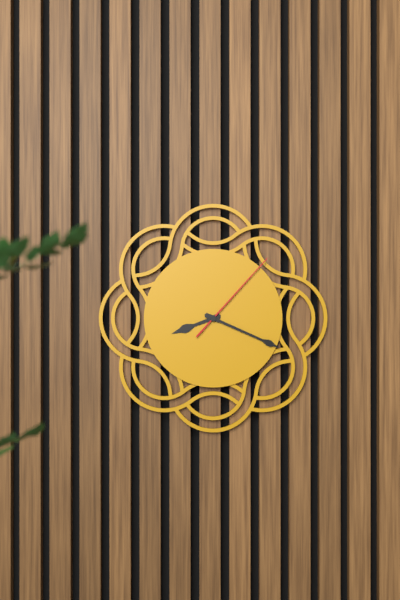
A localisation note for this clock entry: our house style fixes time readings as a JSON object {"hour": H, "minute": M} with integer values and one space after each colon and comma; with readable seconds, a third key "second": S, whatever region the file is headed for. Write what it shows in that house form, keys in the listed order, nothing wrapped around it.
{"hour": 8, "minute": 19, "second": 7}
